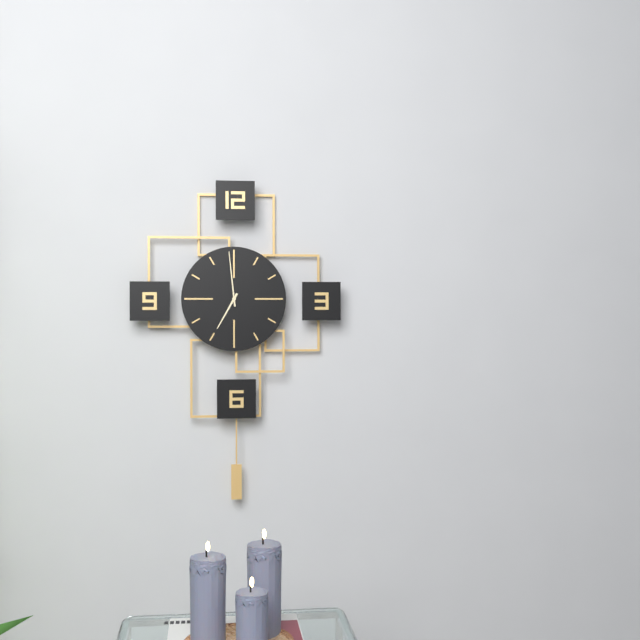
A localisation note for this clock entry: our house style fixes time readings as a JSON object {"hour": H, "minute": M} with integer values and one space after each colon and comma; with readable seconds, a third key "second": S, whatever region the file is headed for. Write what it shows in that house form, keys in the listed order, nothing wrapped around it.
{"hour": 6, "minute": 59}
